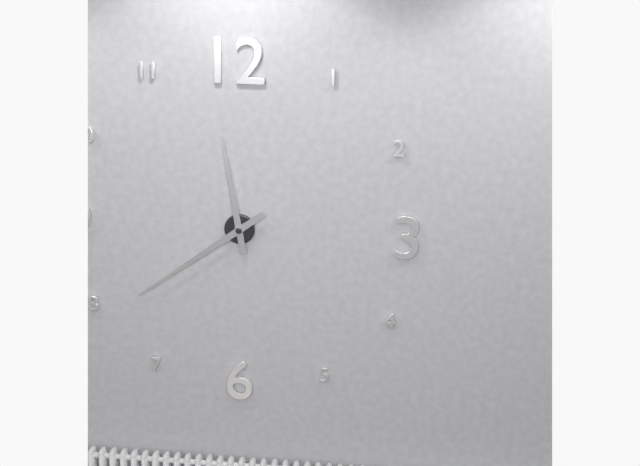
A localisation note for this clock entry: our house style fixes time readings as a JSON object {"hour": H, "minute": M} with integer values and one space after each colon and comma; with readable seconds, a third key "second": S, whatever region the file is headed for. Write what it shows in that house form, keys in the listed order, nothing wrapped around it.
{"hour": 11, "minute": 39}
